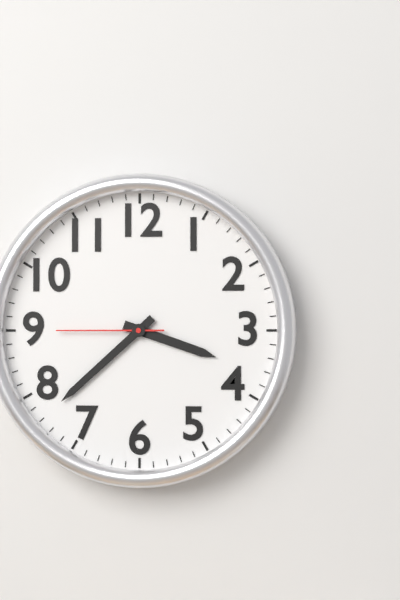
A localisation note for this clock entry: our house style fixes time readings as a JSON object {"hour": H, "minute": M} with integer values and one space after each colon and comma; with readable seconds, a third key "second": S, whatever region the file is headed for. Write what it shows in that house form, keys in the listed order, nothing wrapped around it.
{"hour": 3, "minute": 38, "second": 45}
